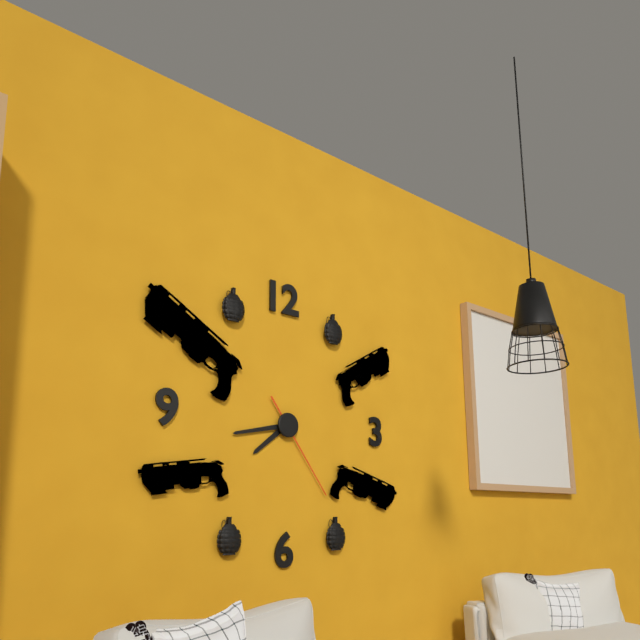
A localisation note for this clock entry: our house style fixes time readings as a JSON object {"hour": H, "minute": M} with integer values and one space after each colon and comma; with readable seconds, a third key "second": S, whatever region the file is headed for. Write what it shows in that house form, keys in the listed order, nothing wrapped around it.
{"hour": 7, "minute": 43, "second": 24}
